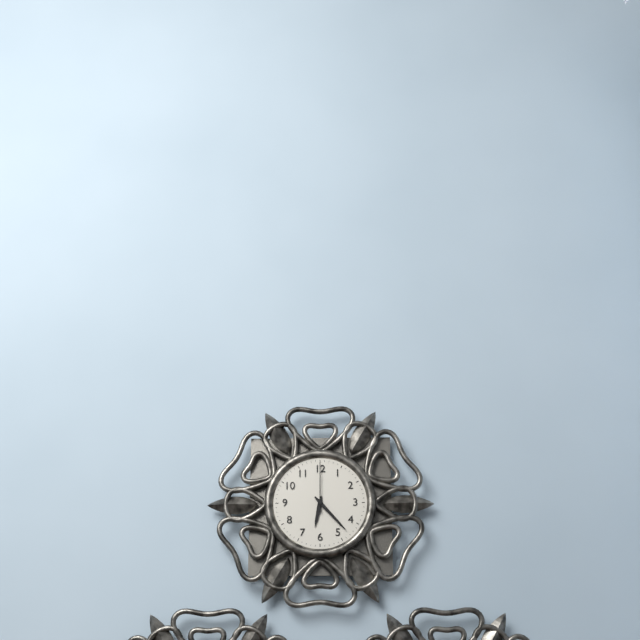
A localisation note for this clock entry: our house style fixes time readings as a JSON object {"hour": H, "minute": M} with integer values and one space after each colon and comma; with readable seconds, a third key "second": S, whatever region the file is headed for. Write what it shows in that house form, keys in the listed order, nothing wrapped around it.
{"hour": 6, "minute": 23}
